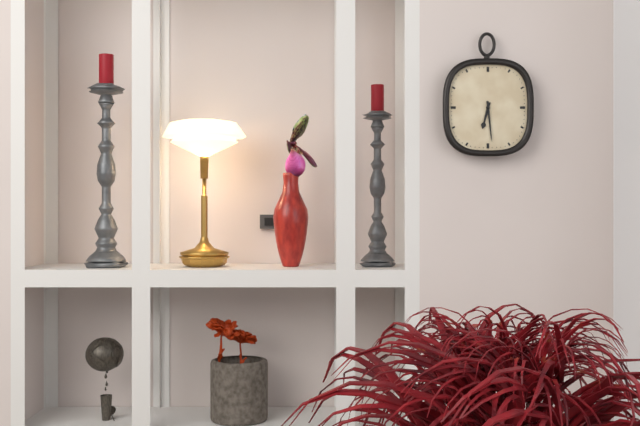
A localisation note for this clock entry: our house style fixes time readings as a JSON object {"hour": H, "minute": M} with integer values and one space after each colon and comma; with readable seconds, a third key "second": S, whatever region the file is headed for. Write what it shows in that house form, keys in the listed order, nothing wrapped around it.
{"hour": 6, "minute": 29}
